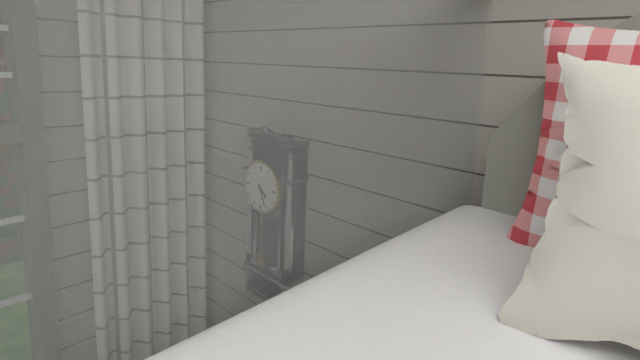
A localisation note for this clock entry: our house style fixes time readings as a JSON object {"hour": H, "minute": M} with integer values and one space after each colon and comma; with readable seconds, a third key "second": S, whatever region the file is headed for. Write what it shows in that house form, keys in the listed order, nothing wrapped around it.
{"hour": 4, "minute": 26}
